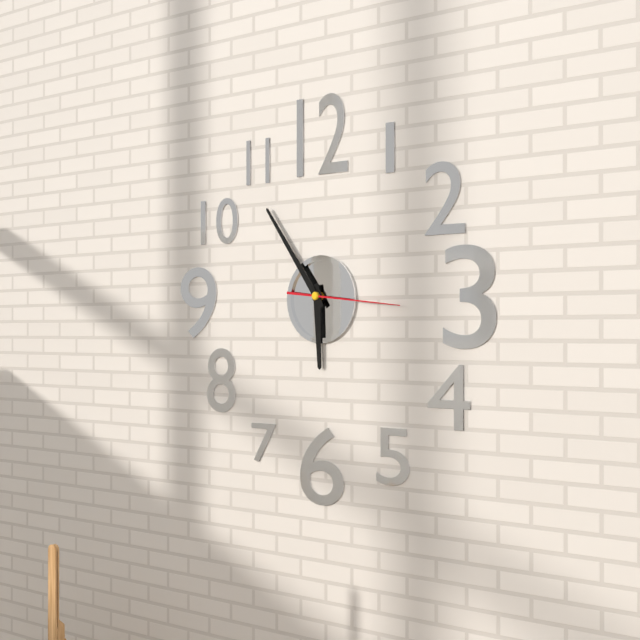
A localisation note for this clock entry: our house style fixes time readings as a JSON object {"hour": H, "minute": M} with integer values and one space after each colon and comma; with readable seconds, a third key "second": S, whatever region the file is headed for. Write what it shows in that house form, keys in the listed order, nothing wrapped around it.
{"hour": 5, "minute": 54, "second": 16}
